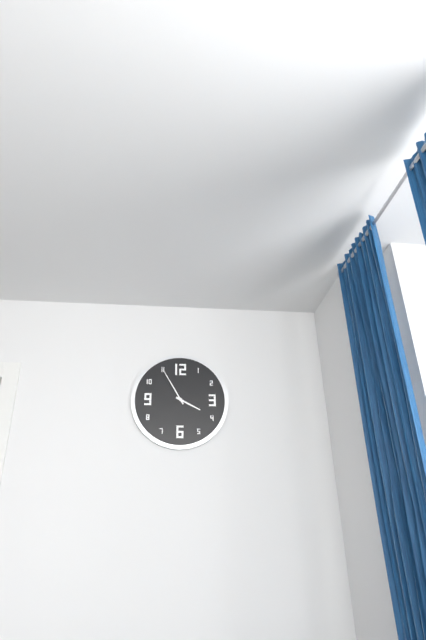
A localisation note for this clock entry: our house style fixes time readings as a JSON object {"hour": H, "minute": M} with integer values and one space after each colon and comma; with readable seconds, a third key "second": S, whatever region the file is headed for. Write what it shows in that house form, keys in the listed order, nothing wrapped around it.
{"hour": 3, "minute": 55}
